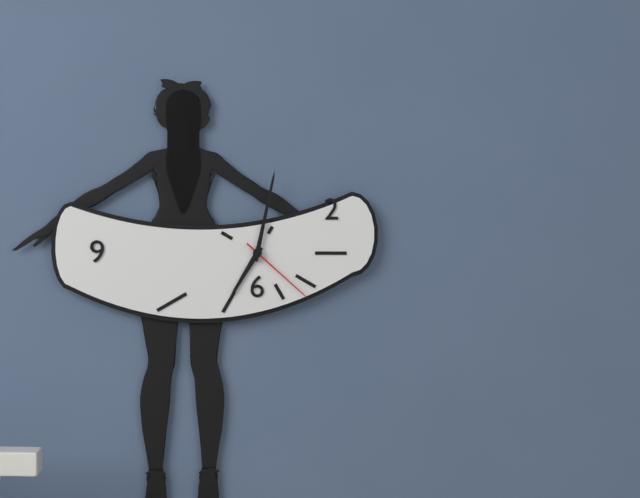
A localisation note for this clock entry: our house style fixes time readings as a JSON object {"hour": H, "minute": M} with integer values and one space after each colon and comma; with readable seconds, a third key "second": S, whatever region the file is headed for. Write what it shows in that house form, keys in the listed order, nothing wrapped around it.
{"hour": 7, "minute": 2, "second": 22}
